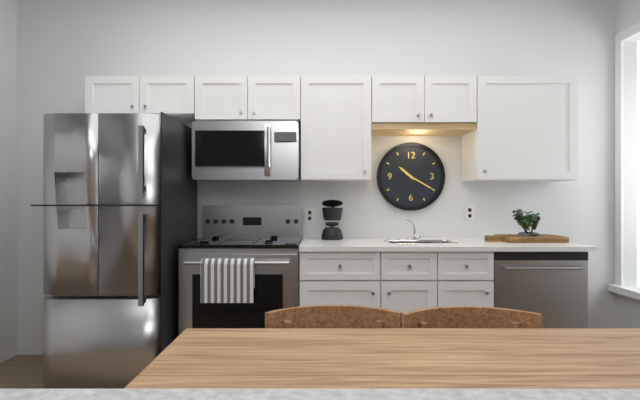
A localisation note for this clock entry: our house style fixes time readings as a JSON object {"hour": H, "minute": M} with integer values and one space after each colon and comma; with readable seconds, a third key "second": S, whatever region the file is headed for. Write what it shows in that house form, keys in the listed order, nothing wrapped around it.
{"hour": 10, "minute": 20}
